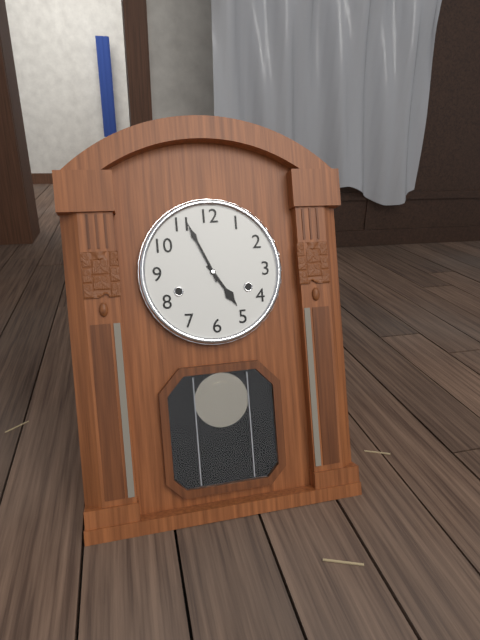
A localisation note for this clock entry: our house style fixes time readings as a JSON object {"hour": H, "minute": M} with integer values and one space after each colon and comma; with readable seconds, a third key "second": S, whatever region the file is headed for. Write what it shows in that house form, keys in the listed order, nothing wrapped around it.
{"hour": 4, "minute": 56}
